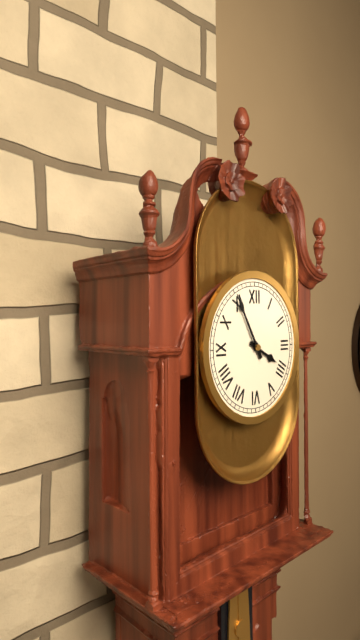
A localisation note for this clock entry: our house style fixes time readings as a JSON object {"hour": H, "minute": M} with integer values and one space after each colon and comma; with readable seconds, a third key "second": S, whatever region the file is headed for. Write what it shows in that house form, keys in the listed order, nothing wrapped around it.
{"hour": 3, "minute": 55}
